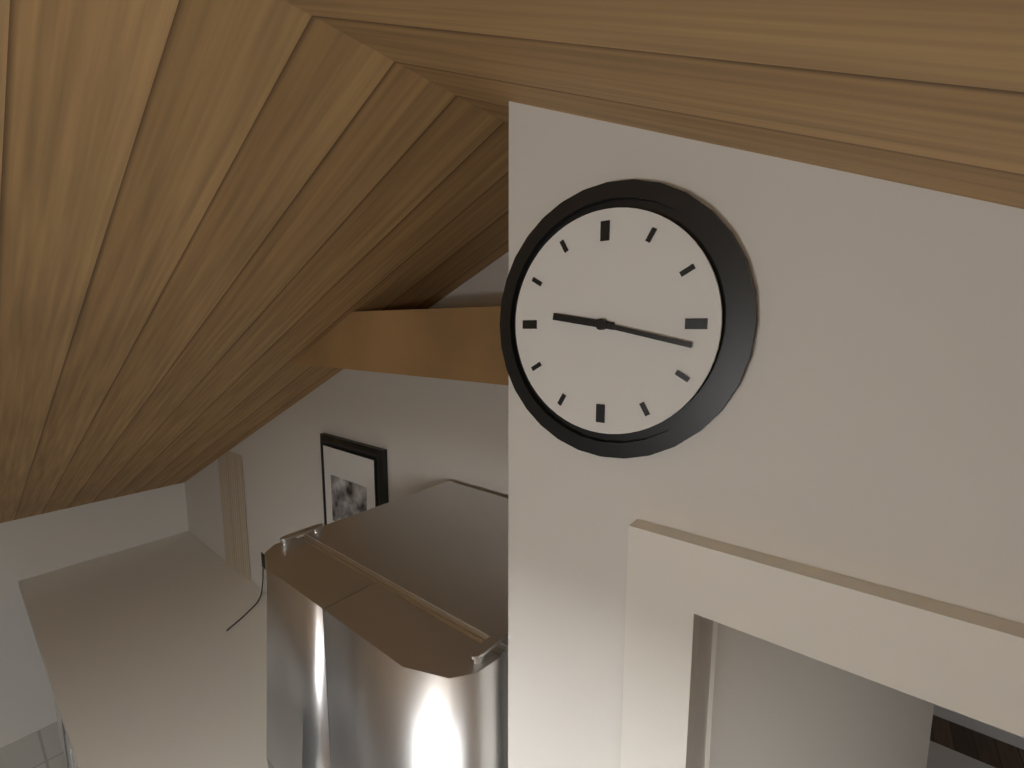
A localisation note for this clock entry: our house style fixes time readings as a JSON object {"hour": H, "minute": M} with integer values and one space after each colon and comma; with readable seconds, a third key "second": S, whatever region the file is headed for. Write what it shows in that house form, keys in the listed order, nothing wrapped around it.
{"hour": 9, "minute": 17}
